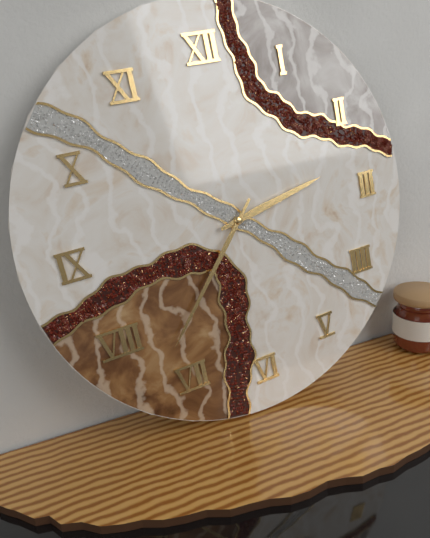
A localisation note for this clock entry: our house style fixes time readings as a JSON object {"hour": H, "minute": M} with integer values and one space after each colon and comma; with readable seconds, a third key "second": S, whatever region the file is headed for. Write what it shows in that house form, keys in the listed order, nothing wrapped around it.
{"hour": 2, "minute": 37}
